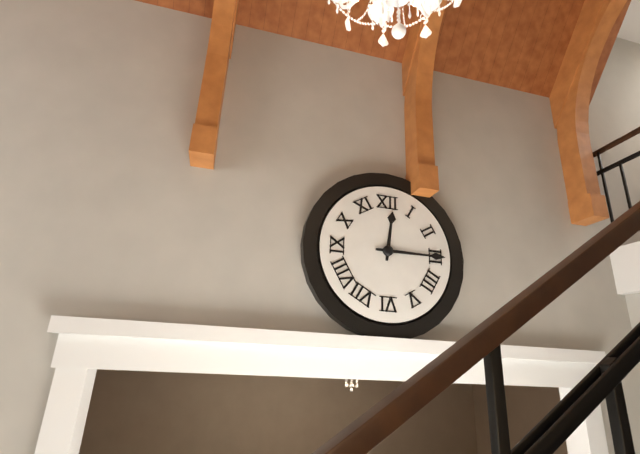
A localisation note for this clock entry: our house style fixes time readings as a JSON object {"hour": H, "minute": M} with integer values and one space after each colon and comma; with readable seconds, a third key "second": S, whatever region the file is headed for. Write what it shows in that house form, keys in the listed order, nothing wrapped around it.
{"hour": 12, "minute": 15}
